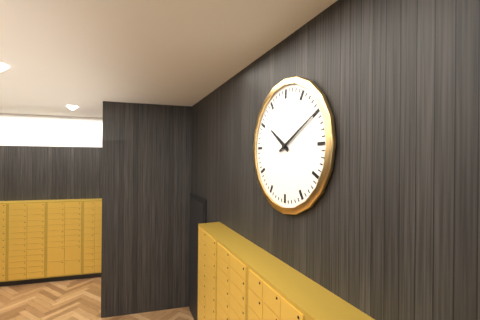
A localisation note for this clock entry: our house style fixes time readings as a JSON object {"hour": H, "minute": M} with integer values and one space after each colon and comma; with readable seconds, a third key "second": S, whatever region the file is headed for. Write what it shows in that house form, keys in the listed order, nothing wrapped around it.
{"hour": 10, "minute": 10}
